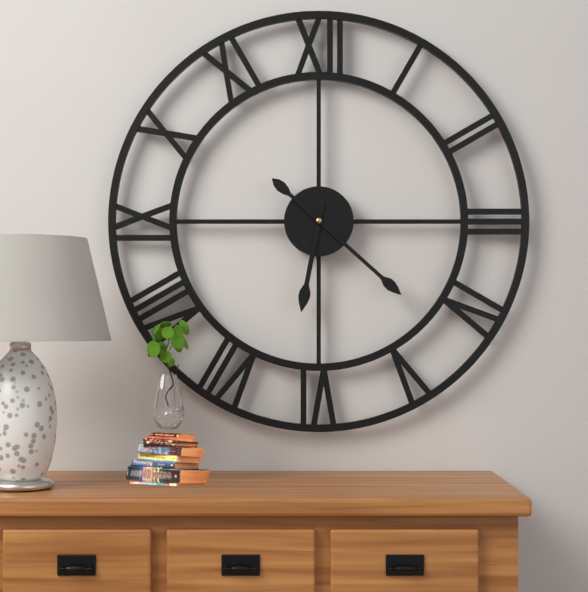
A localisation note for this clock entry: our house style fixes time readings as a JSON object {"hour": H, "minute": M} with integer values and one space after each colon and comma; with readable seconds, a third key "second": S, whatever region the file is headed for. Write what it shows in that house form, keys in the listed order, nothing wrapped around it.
{"hour": 6, "minute": 22}
